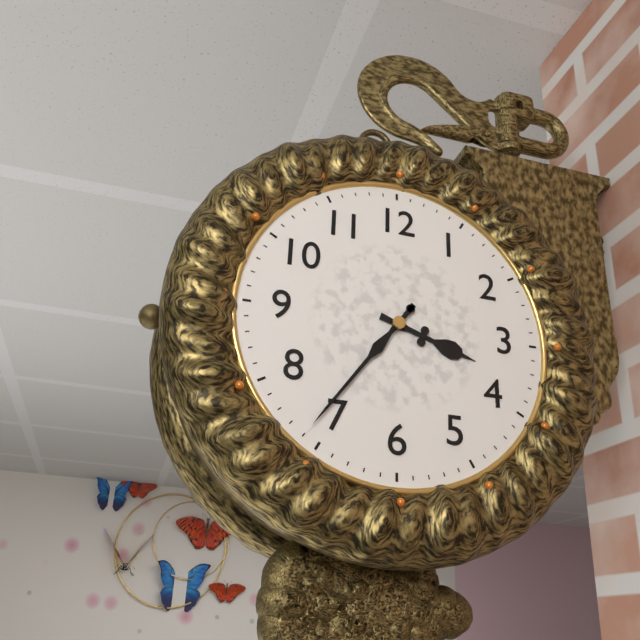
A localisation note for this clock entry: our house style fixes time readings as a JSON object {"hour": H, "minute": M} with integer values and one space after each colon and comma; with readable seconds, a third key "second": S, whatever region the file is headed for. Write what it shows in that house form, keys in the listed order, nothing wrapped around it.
{"hour": 3, "minute": 36}
